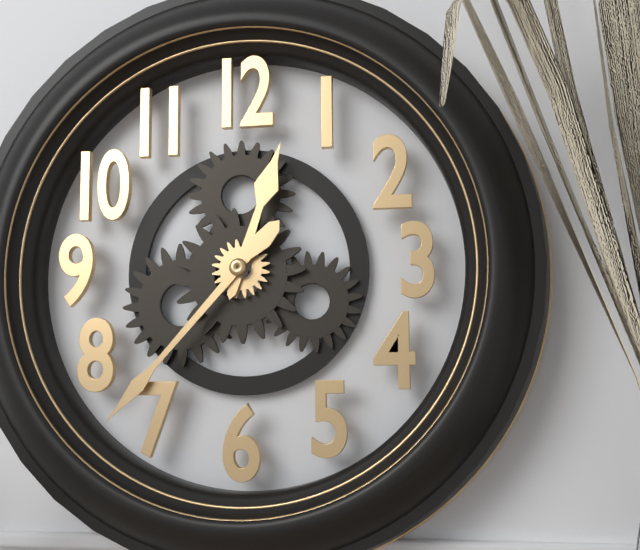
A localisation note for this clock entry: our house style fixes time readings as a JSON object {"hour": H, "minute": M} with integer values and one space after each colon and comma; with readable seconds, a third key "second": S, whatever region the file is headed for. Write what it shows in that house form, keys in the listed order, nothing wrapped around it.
{"hour": 12, "minute": 37}
